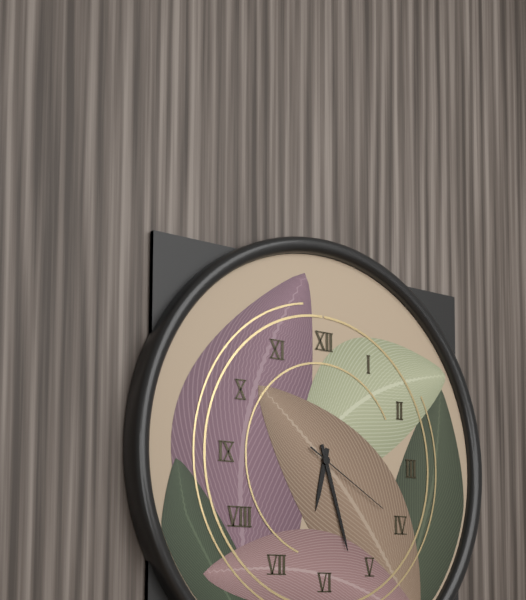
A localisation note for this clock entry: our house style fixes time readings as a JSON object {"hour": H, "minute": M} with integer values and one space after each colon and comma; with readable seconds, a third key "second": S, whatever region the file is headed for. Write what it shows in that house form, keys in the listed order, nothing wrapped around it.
{"hour": 6, "minute": 27, "second": 20}
